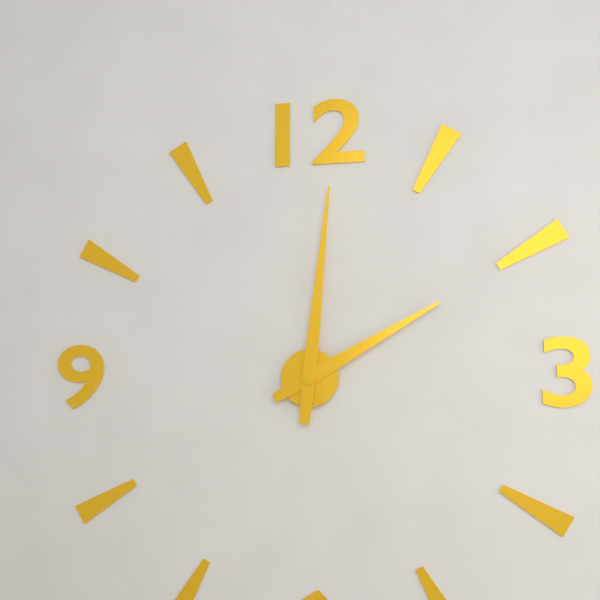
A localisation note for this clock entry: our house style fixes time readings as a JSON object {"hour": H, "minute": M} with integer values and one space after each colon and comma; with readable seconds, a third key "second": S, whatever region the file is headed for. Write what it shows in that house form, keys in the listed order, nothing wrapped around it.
{"hour": 2, "minute": 1}
